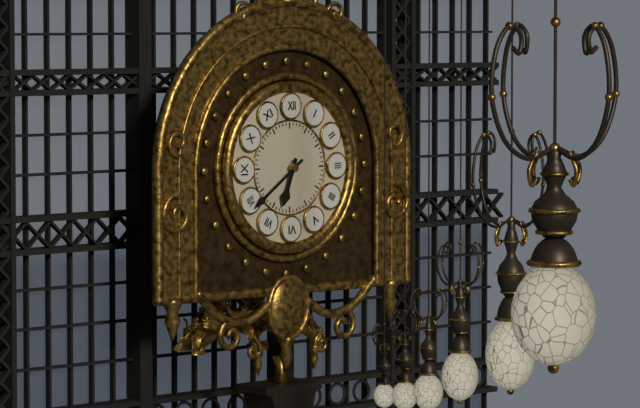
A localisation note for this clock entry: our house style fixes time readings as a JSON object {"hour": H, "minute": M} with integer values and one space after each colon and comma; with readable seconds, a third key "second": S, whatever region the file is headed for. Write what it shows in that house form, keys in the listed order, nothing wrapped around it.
{"hour": 6, "minute": 39}
